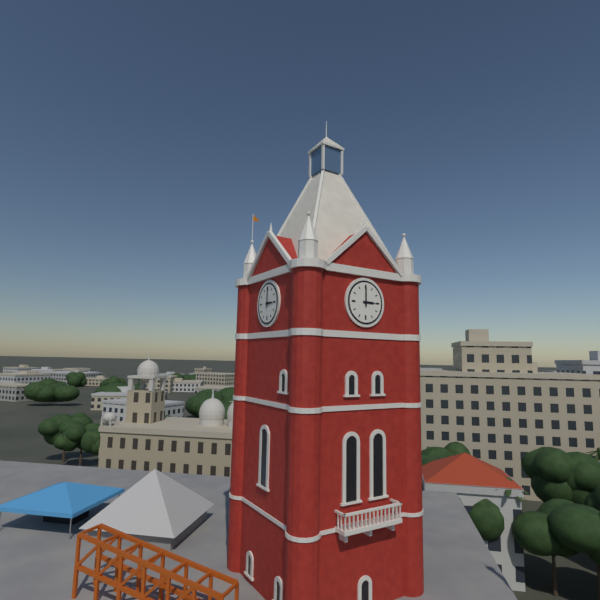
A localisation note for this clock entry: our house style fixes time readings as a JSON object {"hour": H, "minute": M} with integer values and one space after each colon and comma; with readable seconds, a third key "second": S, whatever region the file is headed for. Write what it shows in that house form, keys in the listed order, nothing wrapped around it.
{"hour": 3, "minute": 0}
